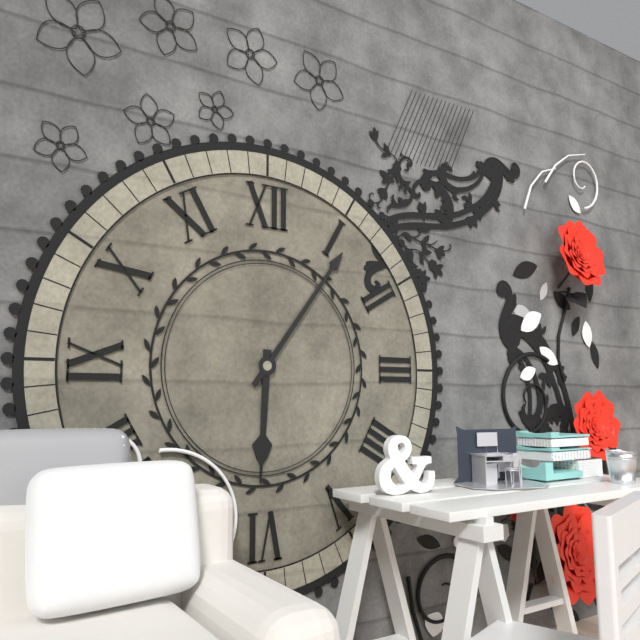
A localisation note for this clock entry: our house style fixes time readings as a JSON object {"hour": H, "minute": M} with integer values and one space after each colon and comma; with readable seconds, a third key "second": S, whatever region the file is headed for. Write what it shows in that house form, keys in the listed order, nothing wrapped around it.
{"hour": 6, "minute": 6}
